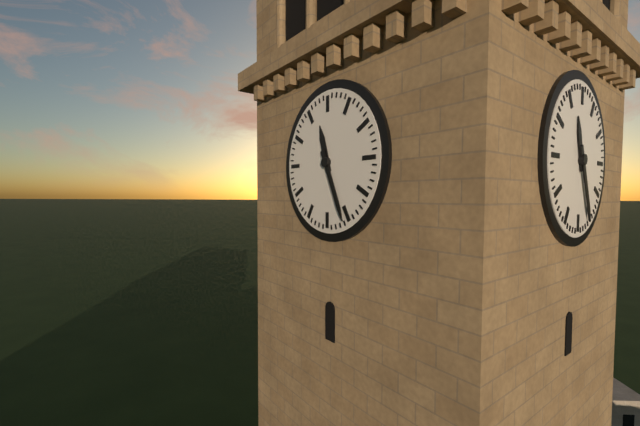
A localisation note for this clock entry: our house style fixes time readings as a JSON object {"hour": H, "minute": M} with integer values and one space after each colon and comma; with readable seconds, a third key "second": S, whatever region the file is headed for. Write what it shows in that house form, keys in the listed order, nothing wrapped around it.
{"hour": 11, "minute": 26}
